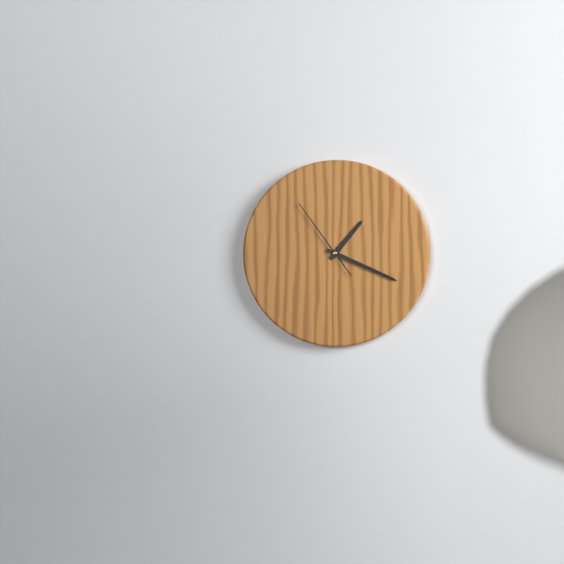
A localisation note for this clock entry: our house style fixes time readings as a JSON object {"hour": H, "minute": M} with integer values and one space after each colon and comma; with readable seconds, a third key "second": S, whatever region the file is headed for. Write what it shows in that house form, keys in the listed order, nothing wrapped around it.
{"hour": 1, "minute": 19, "second": 54}
